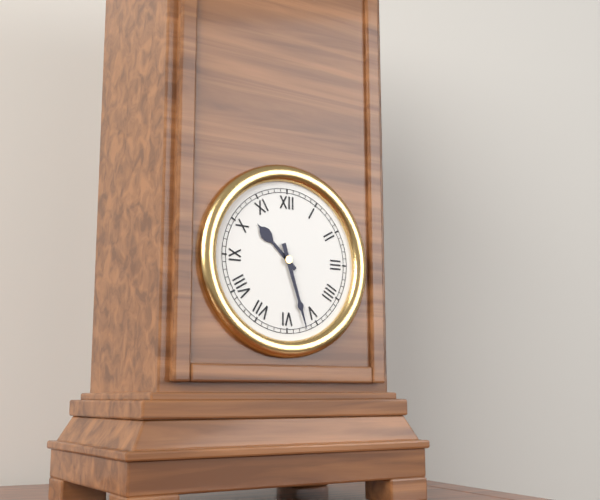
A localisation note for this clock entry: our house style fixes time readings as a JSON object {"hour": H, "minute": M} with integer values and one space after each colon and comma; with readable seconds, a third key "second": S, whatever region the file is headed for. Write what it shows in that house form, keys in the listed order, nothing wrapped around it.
{"hour": 10, "minute": 27}
